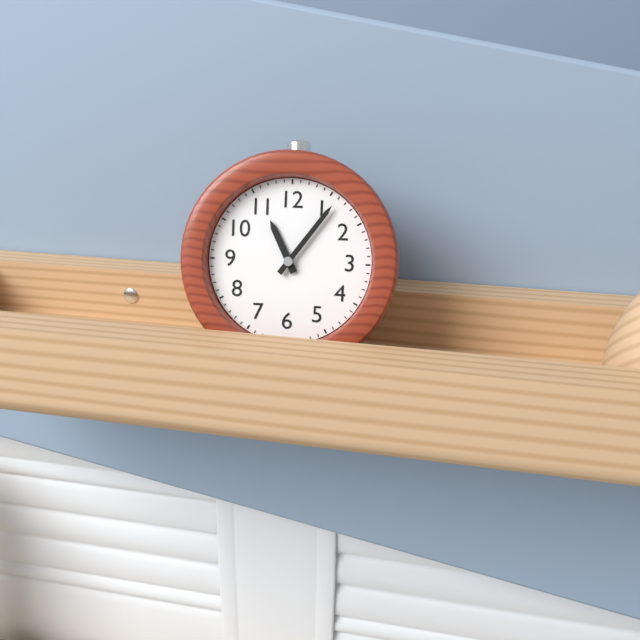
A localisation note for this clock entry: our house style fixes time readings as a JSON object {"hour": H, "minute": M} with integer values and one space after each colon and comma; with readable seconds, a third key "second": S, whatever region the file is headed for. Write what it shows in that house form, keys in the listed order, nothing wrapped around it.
{"hour": 11, "minute": 6}
